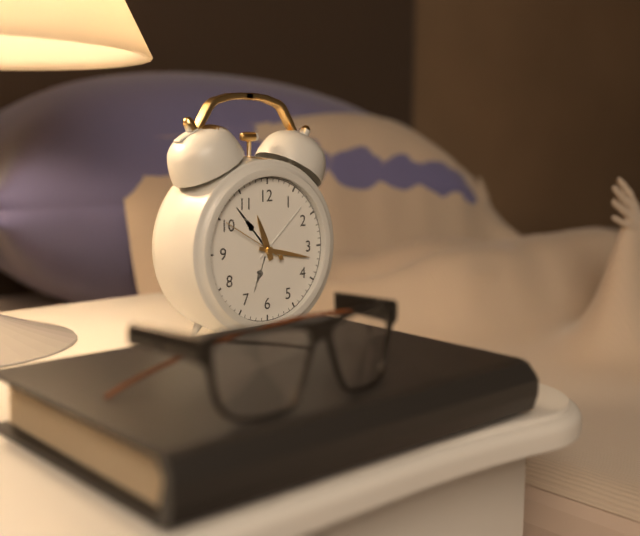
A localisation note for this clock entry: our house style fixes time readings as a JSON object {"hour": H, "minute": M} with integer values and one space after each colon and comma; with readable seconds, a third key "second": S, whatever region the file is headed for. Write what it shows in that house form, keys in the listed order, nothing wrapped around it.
{"hour": 11, "minute": 17, "second": 50}
